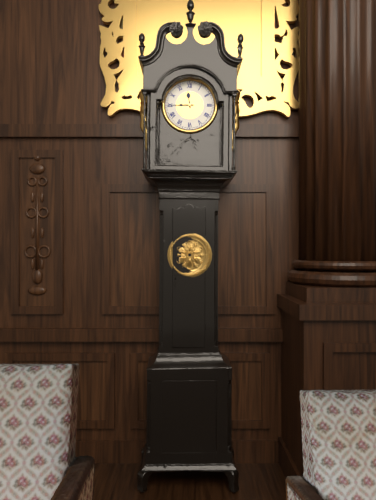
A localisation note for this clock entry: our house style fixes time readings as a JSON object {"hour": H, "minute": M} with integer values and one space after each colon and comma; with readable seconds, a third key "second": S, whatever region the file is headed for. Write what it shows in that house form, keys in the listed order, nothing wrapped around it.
{"hour": 11, "minute": 45}
